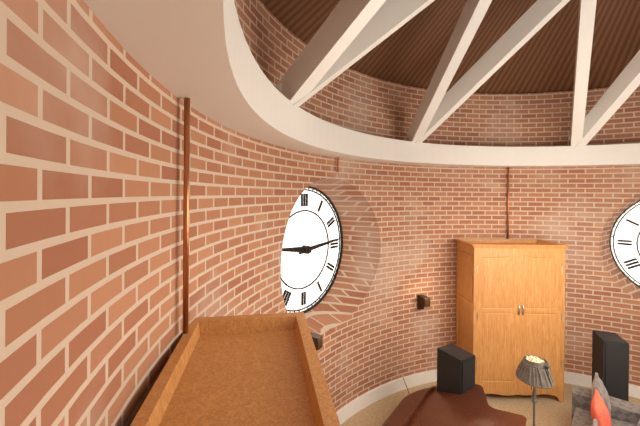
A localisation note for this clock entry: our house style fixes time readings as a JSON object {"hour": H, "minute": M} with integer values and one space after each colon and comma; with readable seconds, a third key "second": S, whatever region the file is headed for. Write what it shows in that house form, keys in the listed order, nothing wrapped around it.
{"hour": 9, "minute": 14}
